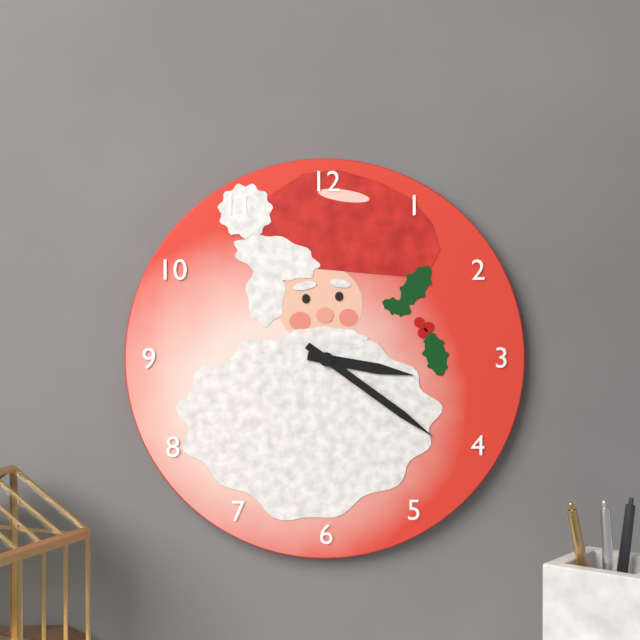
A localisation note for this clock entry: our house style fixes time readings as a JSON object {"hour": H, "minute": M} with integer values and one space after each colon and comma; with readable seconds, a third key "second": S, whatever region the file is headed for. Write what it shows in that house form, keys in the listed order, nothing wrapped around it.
{"hour": 3, "minute": 21}
